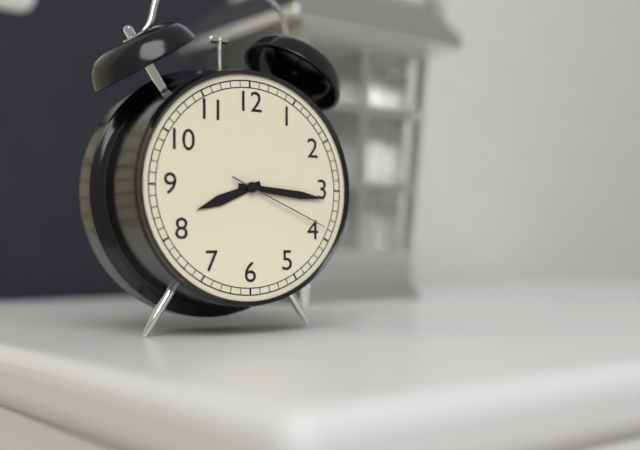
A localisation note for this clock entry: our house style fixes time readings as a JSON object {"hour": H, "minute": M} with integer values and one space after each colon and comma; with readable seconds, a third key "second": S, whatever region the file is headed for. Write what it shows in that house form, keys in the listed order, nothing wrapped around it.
{"hour": 8, "minute": 16, "second": 19}
